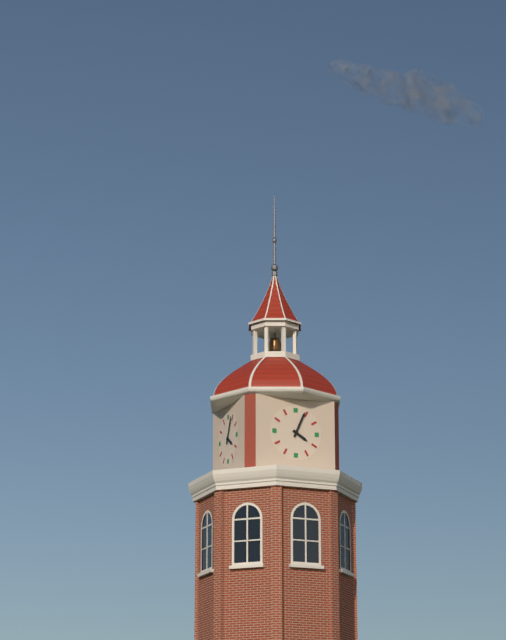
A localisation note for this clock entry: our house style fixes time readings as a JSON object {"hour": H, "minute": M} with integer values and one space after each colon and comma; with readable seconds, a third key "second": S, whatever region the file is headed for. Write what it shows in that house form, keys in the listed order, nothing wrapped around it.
{"hour": 4, "minute": 4}
